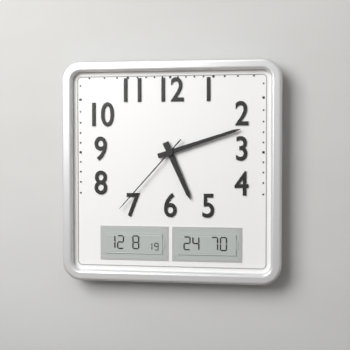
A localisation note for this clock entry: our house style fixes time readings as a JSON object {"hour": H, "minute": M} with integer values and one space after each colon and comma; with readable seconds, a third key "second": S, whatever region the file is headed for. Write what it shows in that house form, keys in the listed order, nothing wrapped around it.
{"hour": 5, "minute": 12, "second": 37}
